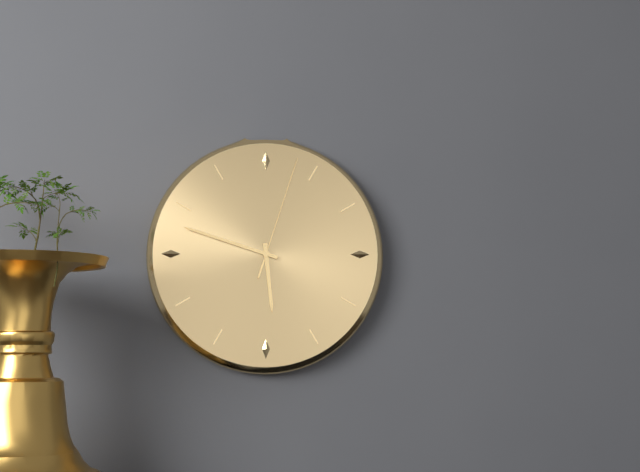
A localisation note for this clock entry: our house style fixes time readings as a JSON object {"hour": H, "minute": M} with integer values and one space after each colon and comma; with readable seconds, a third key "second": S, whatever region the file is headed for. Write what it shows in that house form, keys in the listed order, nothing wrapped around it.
{"hour": 5, "minute": 48, "second": 3}
